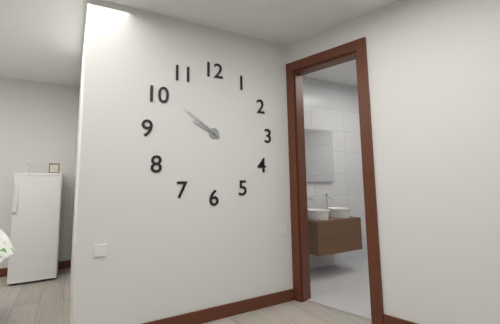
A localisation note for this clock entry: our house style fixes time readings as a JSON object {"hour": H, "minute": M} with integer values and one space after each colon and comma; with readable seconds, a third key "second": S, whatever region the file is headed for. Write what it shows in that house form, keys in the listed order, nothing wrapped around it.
{"hour": 9, "minute": 51}
